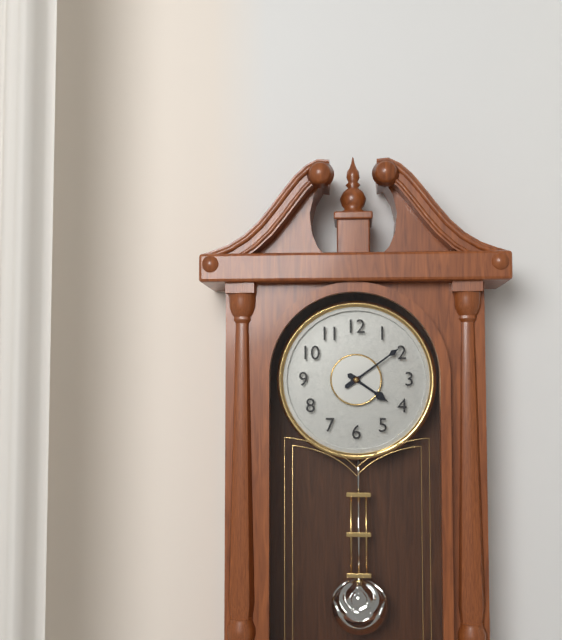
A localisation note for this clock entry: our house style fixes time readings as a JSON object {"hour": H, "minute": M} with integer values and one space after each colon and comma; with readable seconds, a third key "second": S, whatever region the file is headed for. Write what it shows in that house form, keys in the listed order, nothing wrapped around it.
{"hour": 4, "minute": 9}
